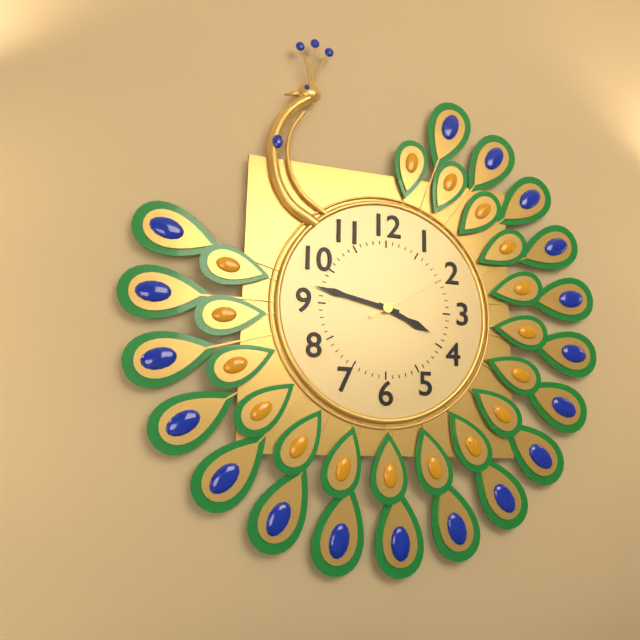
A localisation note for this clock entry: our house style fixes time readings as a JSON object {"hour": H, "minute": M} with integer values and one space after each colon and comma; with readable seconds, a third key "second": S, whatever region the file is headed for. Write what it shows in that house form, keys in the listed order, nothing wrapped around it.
{"hour": 3, "minute": 47, "second": 10}
